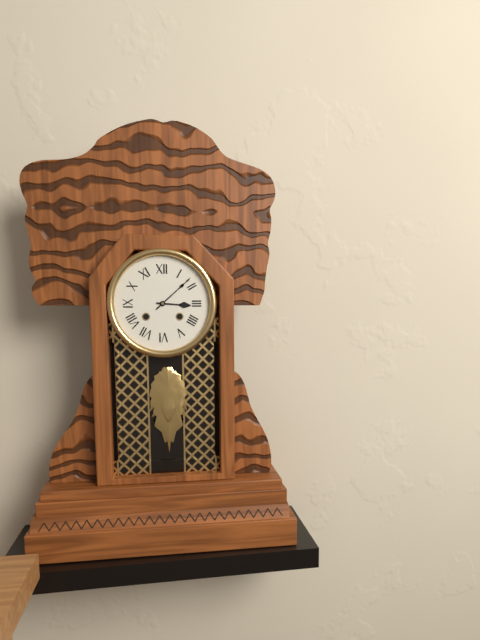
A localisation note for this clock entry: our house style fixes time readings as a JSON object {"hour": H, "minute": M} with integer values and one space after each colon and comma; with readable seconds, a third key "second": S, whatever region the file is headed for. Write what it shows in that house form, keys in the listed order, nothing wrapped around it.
{"hour": 3, "minute": 8}
